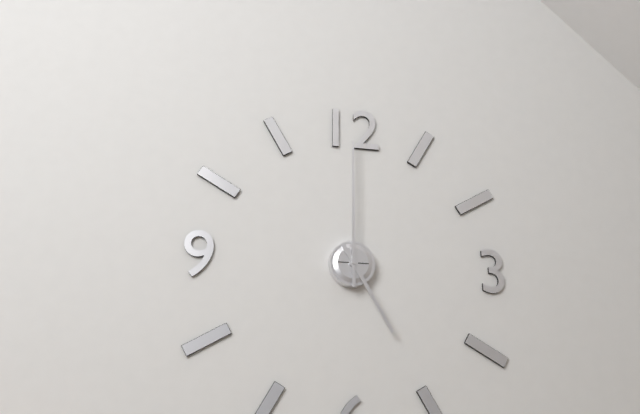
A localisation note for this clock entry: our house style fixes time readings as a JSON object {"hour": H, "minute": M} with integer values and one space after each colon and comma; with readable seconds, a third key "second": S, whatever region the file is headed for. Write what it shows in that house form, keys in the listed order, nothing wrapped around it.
{"hour": 5, "minute": 0}
